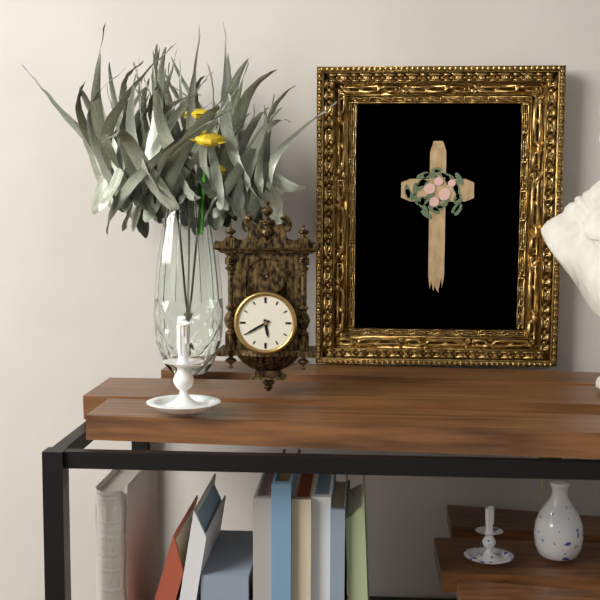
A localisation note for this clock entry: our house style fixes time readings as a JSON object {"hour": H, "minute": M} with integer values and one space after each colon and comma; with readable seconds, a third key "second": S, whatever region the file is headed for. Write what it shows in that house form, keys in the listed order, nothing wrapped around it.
{"hour": 5, "minute": 40}
